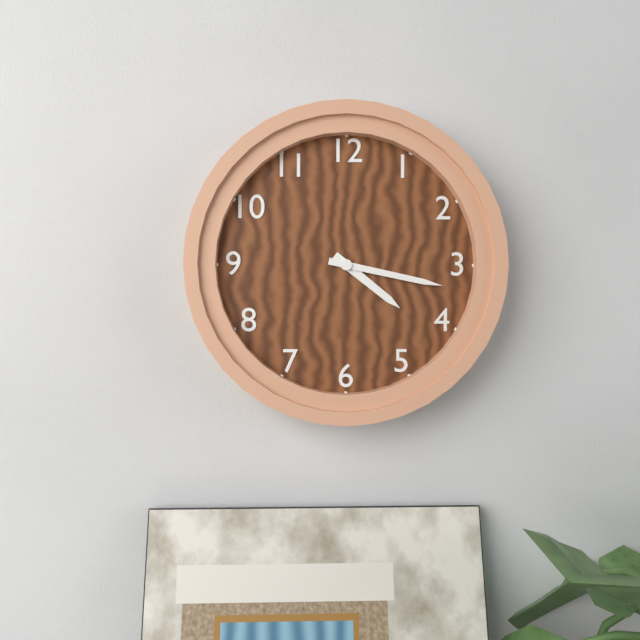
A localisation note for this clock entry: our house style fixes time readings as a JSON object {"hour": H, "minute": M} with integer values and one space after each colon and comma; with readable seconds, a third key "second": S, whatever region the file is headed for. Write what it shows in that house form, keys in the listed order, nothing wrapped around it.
{"hour": 4, "minute": 17}
